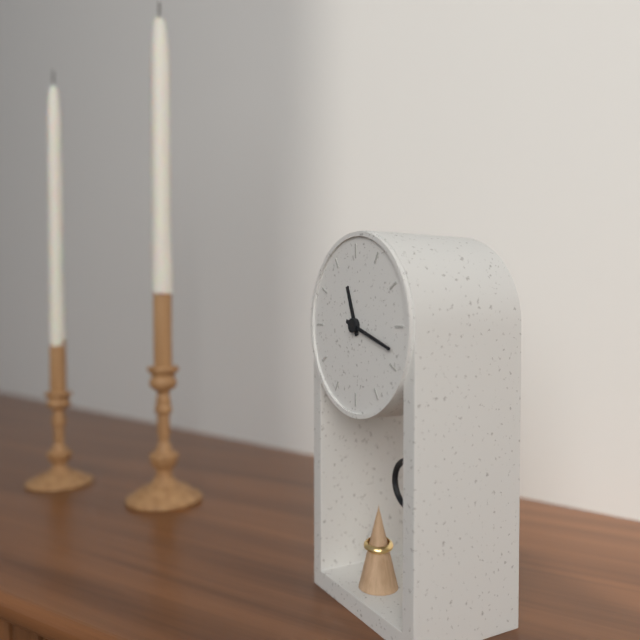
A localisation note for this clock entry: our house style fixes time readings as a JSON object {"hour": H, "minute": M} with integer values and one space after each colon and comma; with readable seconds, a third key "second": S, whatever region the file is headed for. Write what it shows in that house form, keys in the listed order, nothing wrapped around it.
{"hour": 11, "minute": 18}
